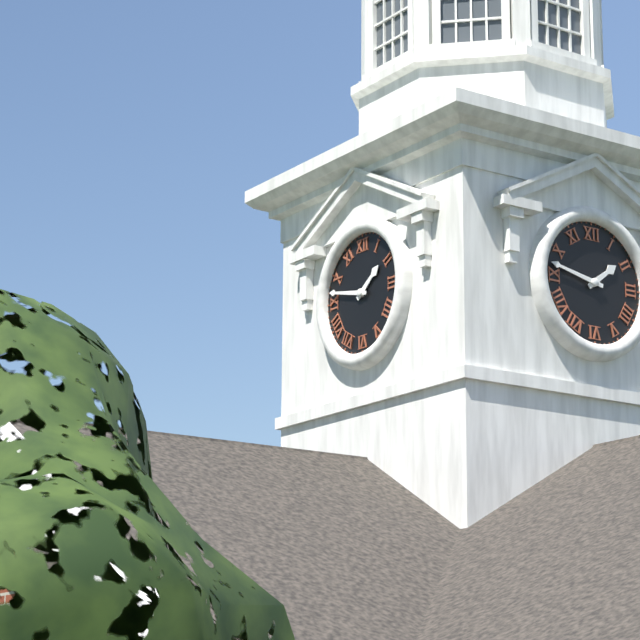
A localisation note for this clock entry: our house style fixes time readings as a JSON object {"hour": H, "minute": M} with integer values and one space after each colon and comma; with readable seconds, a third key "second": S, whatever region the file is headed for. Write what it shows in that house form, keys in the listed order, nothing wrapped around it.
{"hour": 1, "minute": 47}
